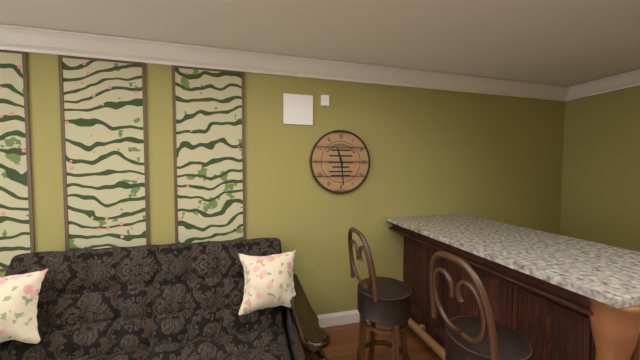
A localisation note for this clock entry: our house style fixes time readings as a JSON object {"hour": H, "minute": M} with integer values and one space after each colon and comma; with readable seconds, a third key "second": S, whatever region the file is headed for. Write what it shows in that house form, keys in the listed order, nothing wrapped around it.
{"hour": 11, "minute": 29}
